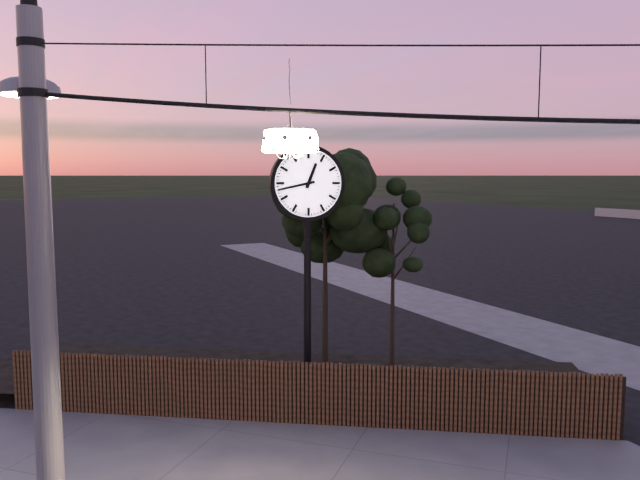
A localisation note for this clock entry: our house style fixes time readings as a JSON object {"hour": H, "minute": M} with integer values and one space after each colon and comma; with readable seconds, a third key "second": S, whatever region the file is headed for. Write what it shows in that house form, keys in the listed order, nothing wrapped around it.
{"hour": 12, "minute": 43}
